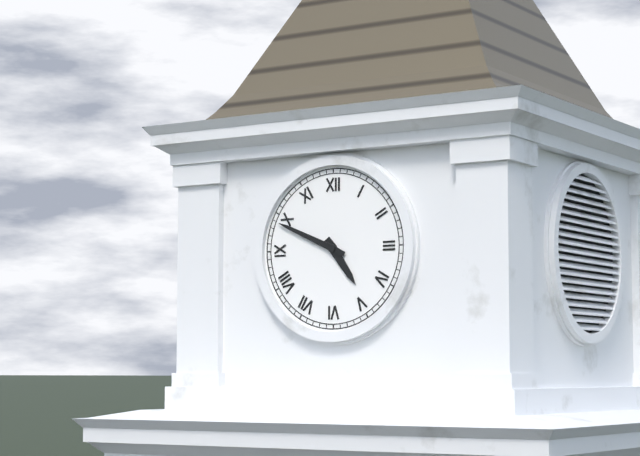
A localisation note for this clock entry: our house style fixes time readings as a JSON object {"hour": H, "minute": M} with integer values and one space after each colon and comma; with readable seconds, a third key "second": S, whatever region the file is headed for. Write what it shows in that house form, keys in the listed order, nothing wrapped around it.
{"hour": 4, "minute": 49}
